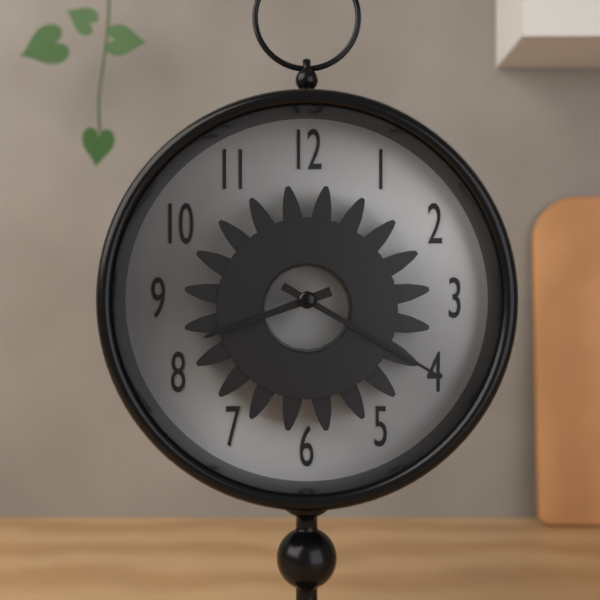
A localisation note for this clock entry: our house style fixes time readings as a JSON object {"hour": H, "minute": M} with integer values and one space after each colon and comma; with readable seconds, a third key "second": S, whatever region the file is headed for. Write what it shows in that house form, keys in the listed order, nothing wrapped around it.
{"hour": 8, "minute": 20}
